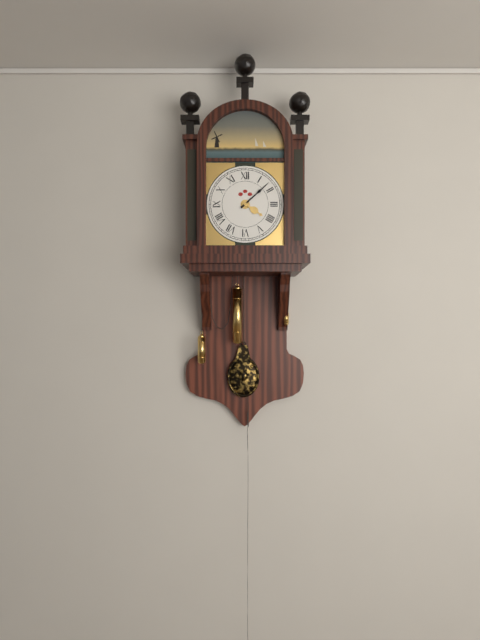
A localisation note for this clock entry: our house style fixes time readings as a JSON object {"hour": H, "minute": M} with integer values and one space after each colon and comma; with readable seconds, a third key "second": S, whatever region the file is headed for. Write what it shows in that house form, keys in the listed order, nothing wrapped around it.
{"hour": 4, "minute": 8}
